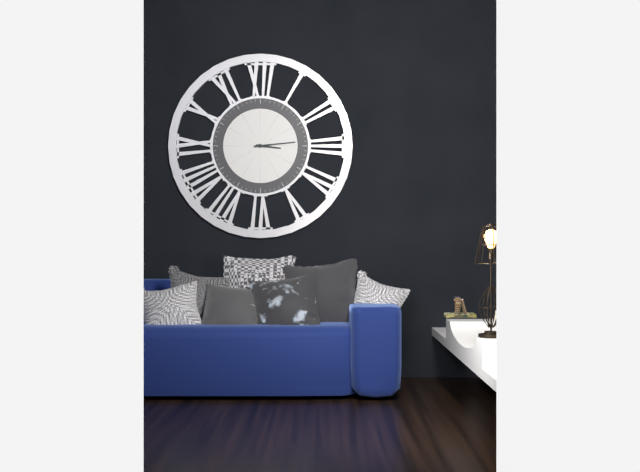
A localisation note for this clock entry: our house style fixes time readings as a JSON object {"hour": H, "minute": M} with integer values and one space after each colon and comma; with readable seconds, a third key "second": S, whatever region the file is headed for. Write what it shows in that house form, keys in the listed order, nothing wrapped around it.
{"hour": 3, "minute": 14}
